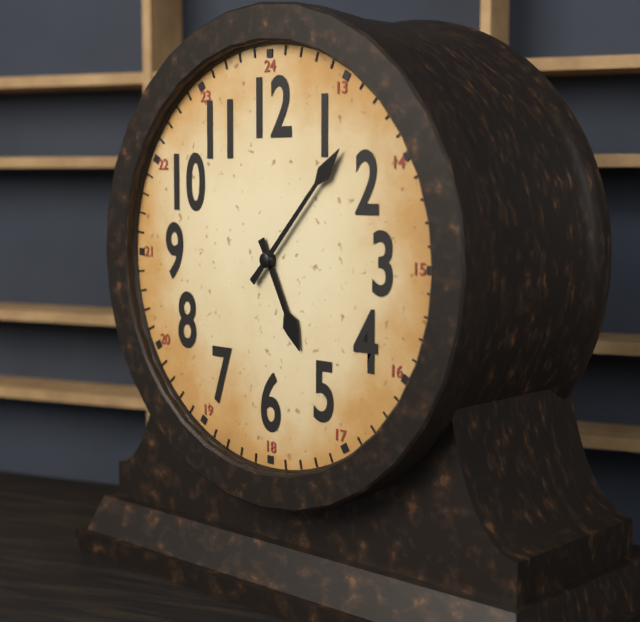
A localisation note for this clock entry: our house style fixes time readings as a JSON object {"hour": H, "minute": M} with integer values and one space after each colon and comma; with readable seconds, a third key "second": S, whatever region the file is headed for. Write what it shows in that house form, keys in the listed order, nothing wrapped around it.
{"hour": 5, "minute": 7}
